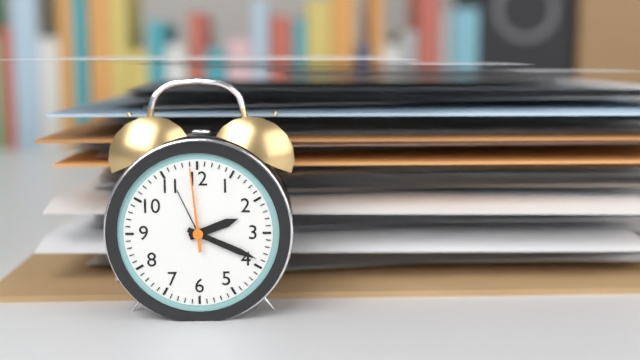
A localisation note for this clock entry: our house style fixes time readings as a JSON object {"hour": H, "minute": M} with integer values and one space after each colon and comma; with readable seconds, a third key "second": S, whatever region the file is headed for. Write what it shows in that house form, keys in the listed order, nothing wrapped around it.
{"hour": 2, "minute": 19, "second": 59}
